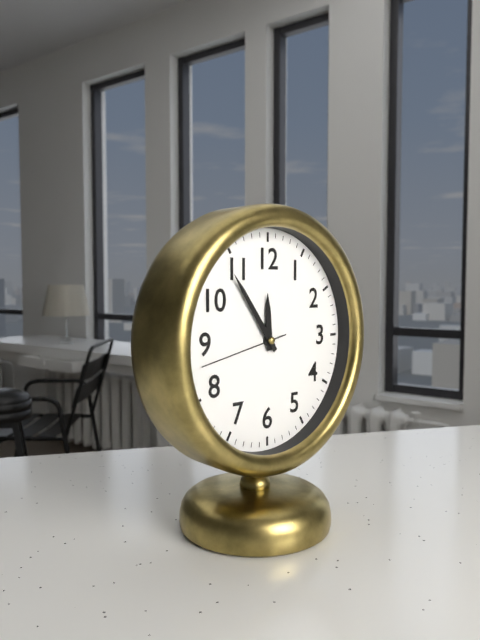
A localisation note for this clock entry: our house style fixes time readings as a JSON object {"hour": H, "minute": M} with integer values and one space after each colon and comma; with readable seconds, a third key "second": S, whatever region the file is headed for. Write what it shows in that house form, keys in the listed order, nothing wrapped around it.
{"hour": 11, "minute": 54, "second": 43}
